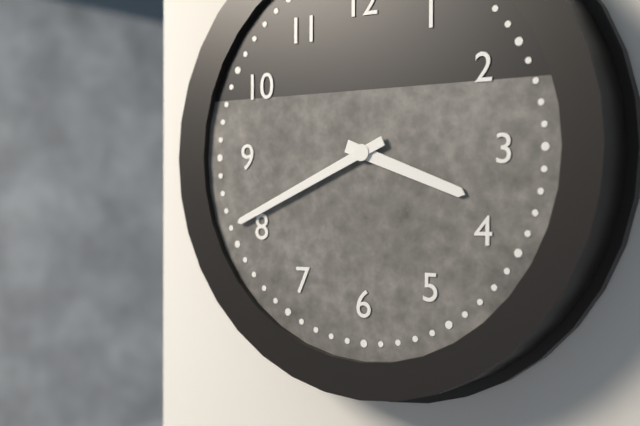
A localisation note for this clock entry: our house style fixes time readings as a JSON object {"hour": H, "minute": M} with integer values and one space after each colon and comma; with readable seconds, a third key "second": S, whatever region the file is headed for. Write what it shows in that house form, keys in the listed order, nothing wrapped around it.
{"hour": 3, "minute": 41}
